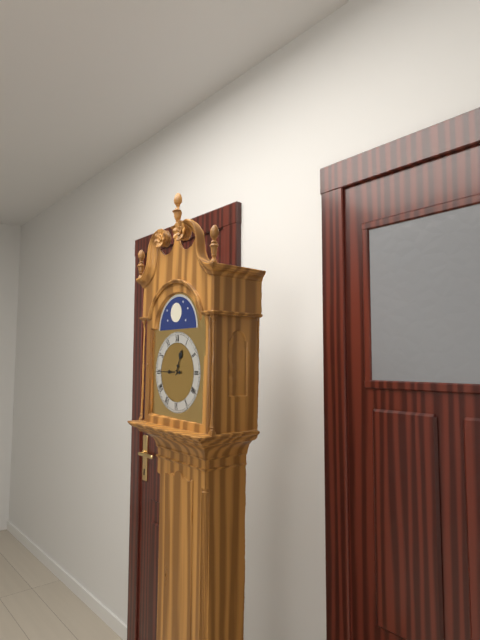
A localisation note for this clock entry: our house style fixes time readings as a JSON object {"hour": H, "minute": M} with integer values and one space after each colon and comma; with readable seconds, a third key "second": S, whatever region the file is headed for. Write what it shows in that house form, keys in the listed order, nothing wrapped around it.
{"hour": 12, "minute": 45}
